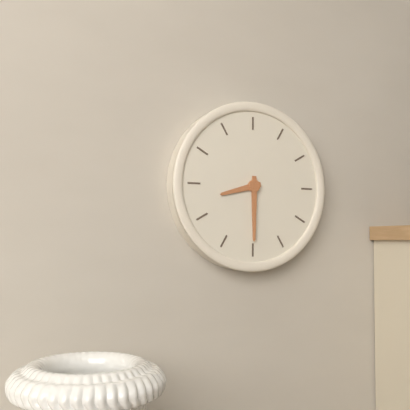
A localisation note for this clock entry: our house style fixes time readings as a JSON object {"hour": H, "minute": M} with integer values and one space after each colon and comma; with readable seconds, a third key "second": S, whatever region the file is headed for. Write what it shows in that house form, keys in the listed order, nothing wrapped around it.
{"hour": 8, "minute": 30}
